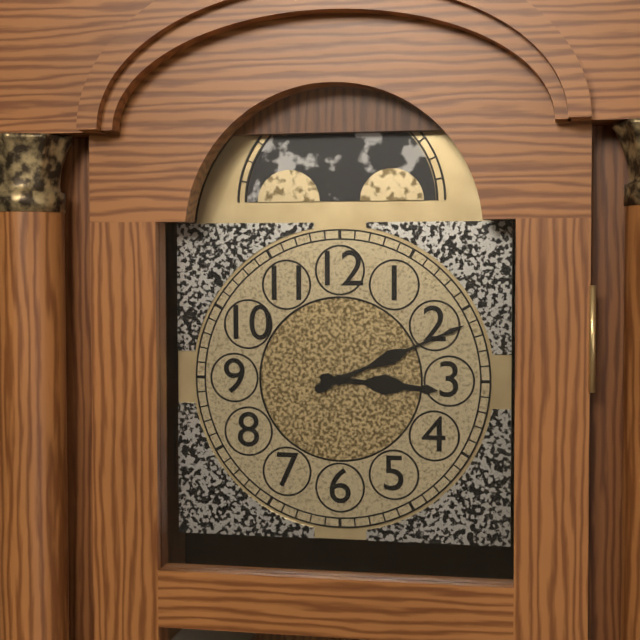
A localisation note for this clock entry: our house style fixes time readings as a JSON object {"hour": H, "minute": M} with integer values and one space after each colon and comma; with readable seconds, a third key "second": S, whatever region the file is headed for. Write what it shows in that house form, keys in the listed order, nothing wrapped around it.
{"hour": 3, "minute": 11}
